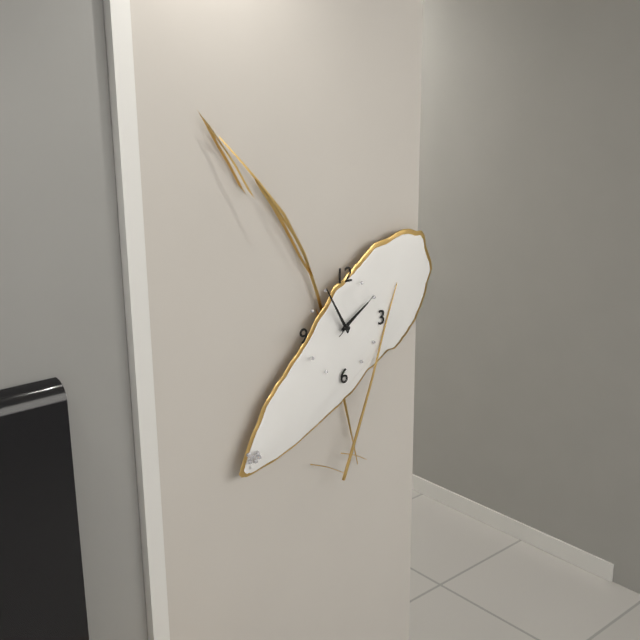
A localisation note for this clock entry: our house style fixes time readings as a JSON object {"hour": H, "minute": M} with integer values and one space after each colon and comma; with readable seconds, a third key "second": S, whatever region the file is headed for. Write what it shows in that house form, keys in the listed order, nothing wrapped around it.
{"hour": 1, "minute": 55, "second": 9}
